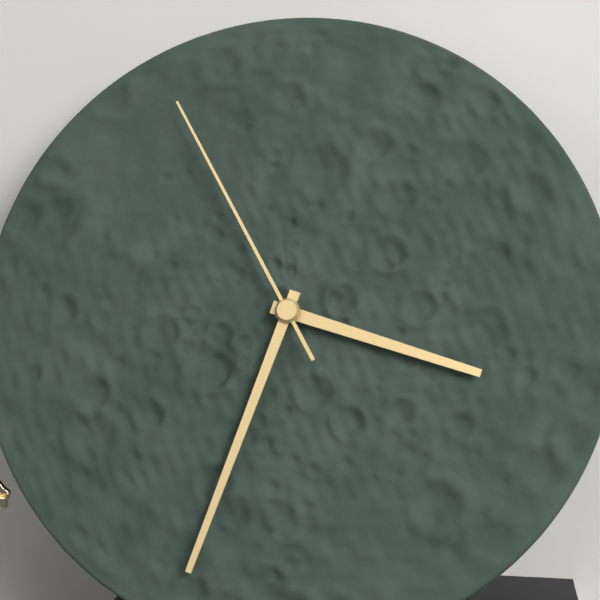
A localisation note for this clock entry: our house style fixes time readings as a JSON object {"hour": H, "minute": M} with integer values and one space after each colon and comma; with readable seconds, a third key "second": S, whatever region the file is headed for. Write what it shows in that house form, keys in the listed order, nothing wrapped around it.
{"hour": 3, "minute": 33, "second": 55}
